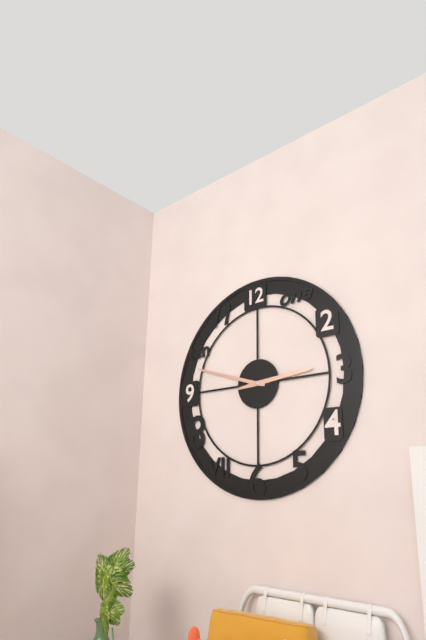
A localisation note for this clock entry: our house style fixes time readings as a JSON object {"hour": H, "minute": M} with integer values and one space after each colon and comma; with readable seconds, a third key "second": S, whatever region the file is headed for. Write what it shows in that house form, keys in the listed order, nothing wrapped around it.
{"hour": 2, "minute": 48}
